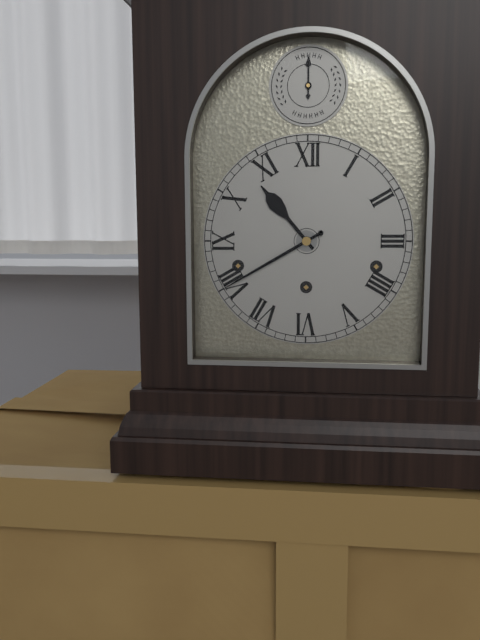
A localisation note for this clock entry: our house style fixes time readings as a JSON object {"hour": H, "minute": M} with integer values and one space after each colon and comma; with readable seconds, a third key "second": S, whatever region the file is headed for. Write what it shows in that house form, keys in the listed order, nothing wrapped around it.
{"hour": 10, "minute": 40}
